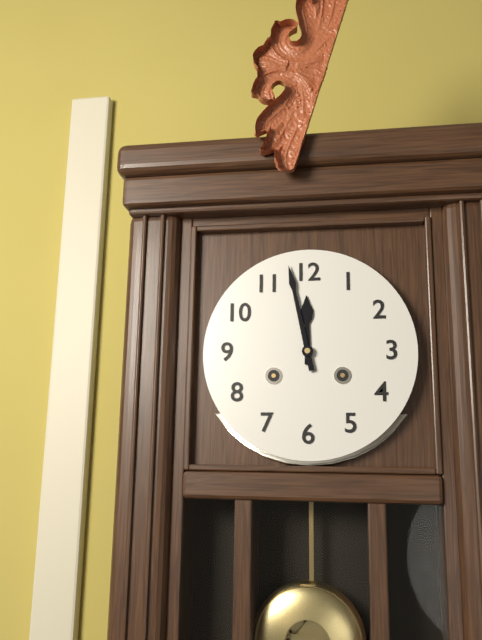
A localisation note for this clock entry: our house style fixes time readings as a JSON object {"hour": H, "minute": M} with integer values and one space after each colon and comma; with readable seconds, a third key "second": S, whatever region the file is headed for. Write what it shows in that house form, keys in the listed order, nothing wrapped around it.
{"hour": 11, "minute": 58}
